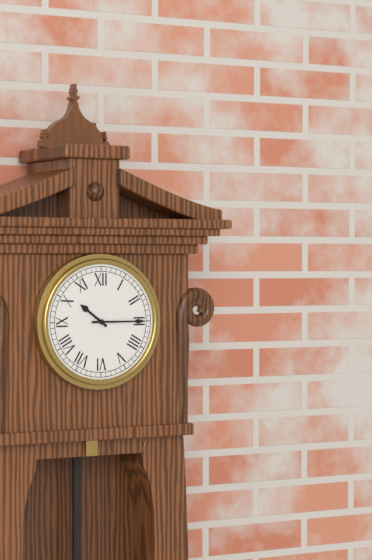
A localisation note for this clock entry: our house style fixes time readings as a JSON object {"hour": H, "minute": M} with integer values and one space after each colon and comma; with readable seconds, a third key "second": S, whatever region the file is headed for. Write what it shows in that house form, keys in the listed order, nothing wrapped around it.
{"hour": 10, "minute": 15}
